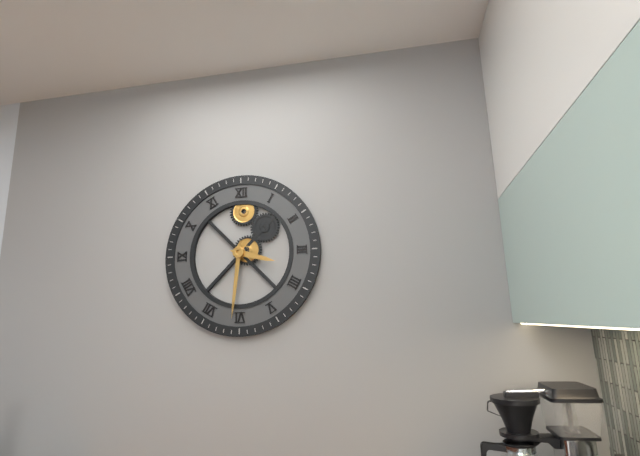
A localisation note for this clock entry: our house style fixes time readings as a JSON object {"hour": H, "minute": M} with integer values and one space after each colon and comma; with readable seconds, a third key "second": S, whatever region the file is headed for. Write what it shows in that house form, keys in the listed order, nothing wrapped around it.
{"hour": 3, "minute": 31}
